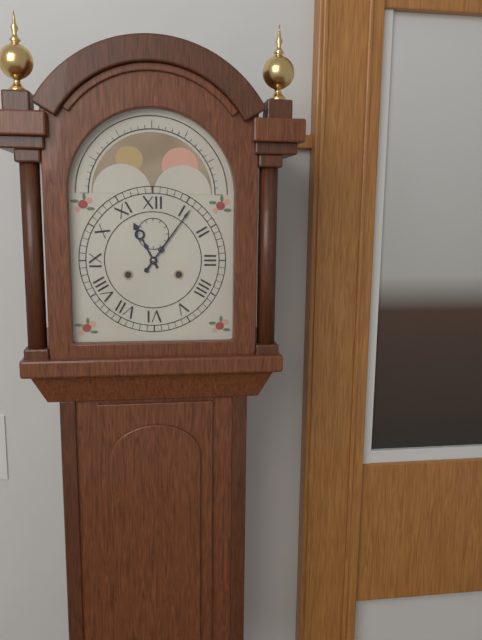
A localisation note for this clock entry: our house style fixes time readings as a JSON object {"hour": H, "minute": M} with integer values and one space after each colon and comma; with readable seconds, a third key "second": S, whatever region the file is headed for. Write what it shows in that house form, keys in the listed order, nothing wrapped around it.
{"hour": 11, "minute": 6}
